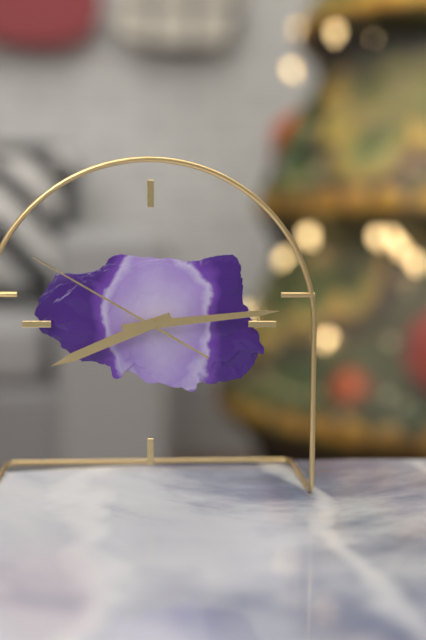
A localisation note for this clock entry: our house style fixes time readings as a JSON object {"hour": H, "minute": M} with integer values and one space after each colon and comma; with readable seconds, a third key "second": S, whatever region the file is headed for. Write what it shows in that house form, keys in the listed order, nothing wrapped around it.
{"hour": 8, "minute": 14, "second": 50}
